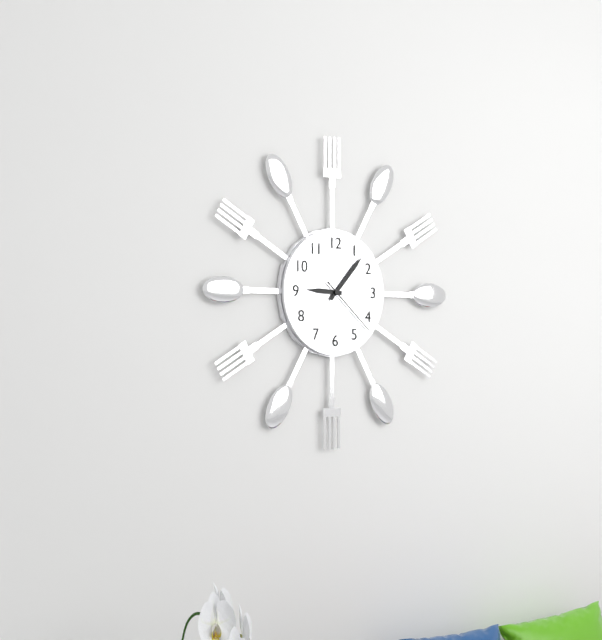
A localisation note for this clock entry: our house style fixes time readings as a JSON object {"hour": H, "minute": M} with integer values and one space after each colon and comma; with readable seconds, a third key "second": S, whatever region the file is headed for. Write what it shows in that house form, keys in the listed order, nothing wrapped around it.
{"hour": 9, "minute": 7, "second": 22}
